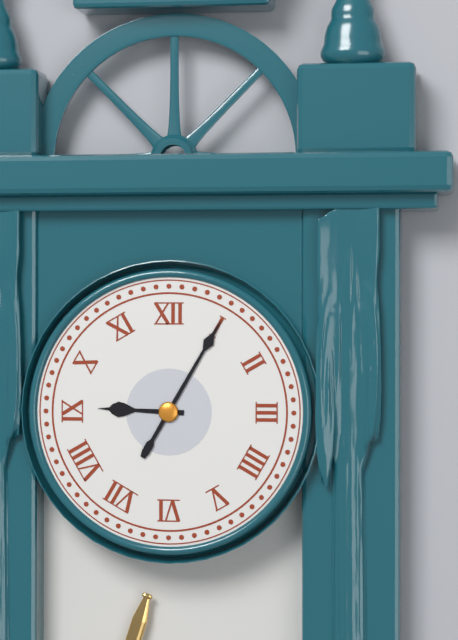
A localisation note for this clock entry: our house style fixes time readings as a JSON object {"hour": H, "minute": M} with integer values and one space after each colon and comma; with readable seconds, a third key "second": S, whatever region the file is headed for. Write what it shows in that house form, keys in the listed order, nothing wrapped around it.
{"hour": 9, "minute": 5}
